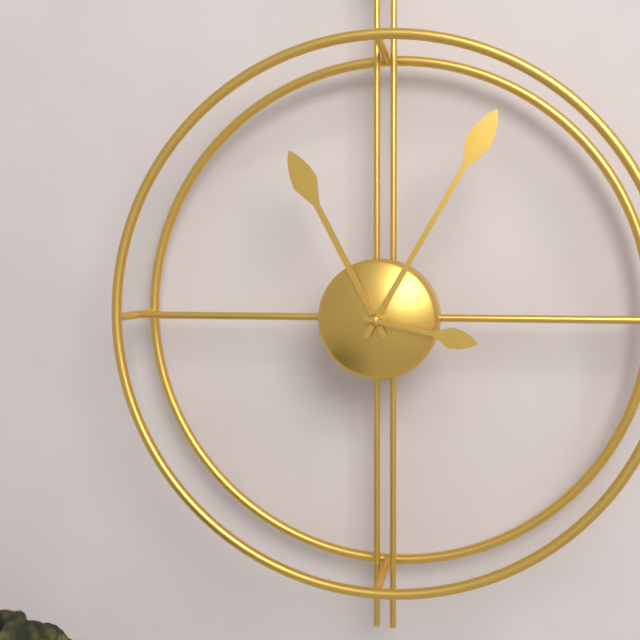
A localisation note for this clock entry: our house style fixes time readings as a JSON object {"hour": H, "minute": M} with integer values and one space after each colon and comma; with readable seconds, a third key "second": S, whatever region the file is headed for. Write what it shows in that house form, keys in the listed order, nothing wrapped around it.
{"hour": 11, "minute": 5, "second": 17}
